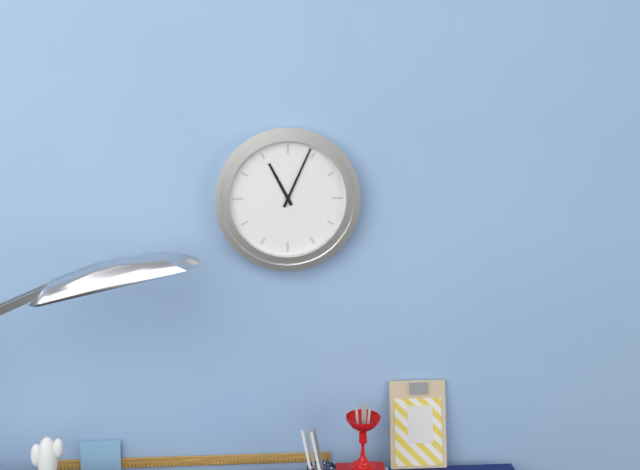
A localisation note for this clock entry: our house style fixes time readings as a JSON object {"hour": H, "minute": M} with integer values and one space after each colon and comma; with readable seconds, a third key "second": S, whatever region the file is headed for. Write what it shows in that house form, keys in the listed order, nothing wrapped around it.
{"hour": 11, "minute": 4}
